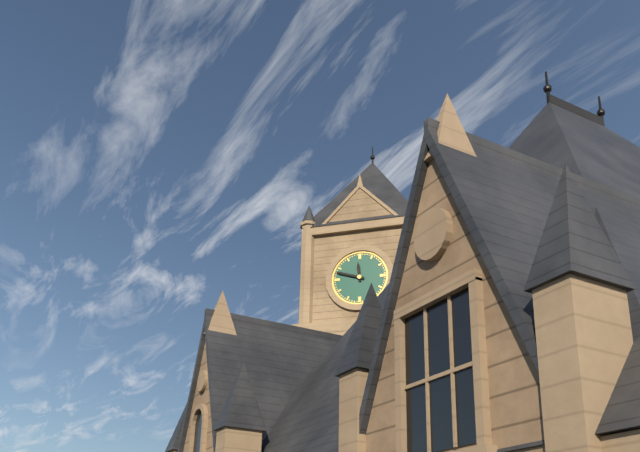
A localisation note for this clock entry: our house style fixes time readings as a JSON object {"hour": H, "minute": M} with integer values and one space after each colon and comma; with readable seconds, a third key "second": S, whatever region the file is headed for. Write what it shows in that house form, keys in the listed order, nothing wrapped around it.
{"hour": 11, "minute": 48}
